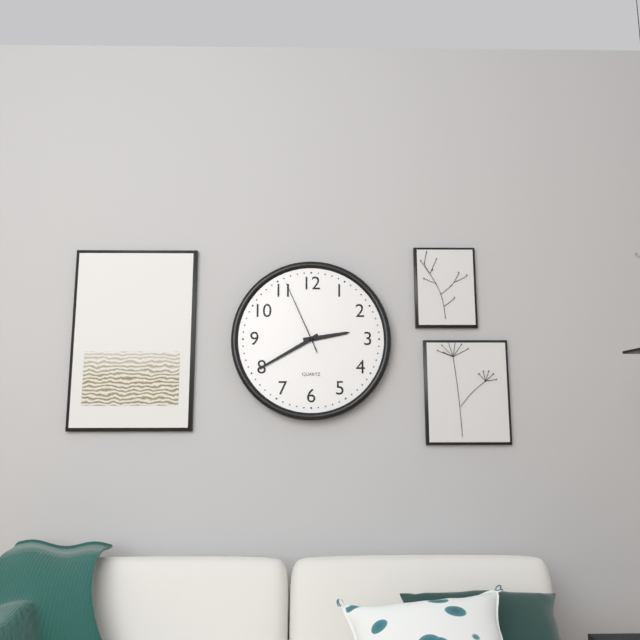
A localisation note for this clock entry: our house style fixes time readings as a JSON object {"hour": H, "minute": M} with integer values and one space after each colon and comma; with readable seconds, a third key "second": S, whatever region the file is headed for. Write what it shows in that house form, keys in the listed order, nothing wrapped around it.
{"hour": 2, "minute": 40, "second": 56}
